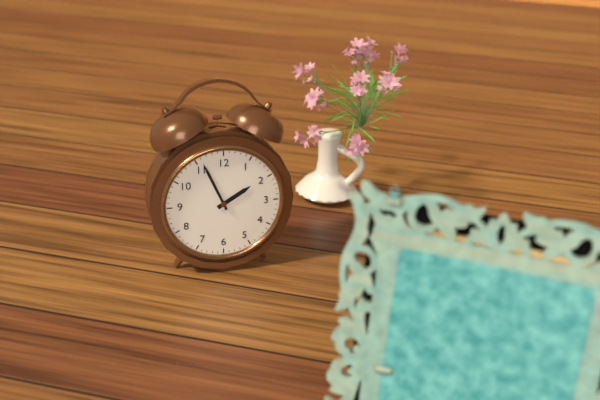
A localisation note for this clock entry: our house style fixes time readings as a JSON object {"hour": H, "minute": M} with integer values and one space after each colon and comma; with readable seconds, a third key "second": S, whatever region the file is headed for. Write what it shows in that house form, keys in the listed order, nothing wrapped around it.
{"hour": 1, "minute": 56}
